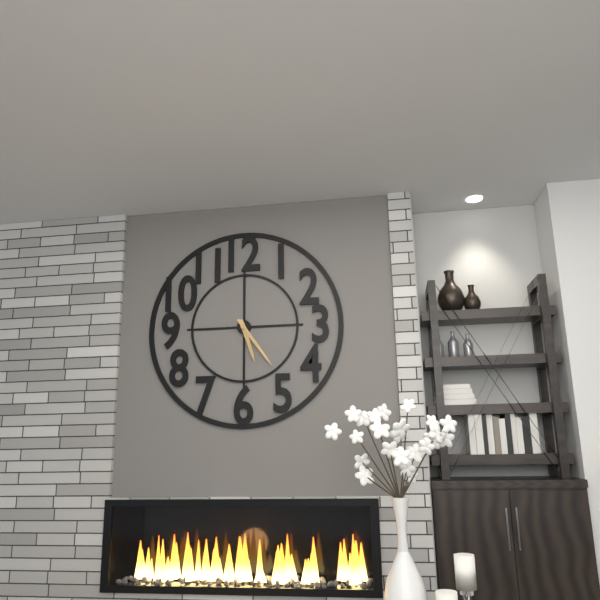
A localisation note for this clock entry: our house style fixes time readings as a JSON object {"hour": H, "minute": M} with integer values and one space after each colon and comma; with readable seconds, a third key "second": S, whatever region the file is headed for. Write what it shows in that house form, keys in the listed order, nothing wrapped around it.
{"hour": 5, "minute": 24}
